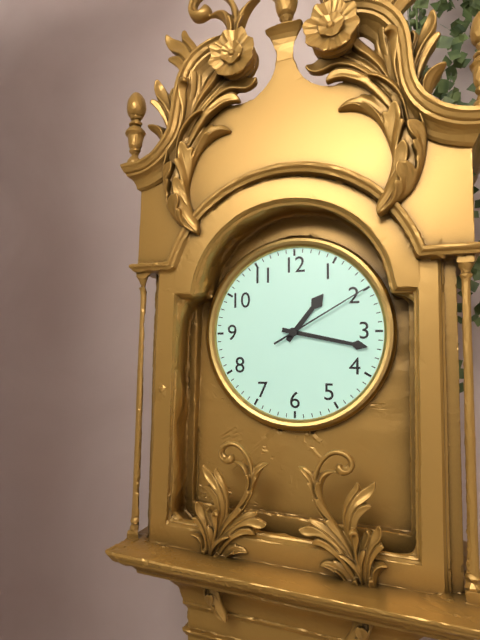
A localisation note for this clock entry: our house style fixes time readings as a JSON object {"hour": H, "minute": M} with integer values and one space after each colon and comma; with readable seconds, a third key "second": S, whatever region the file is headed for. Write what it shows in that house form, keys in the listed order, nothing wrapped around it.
{"hour": 1, "minute": 17, "second": 10}
